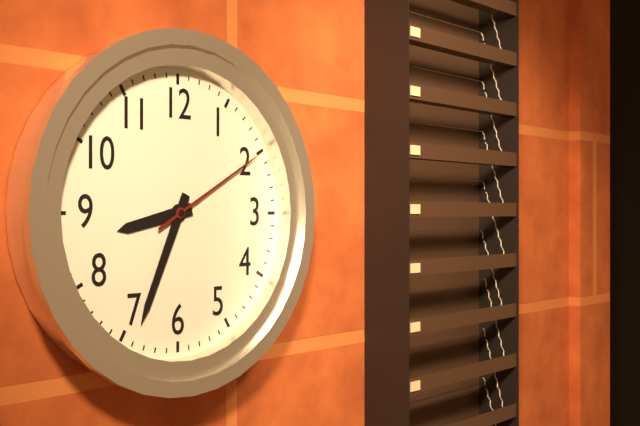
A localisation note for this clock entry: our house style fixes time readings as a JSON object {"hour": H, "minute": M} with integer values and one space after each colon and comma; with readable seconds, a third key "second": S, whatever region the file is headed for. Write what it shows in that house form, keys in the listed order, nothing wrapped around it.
{"hour": 8, "minute": 34, "second": 10}
